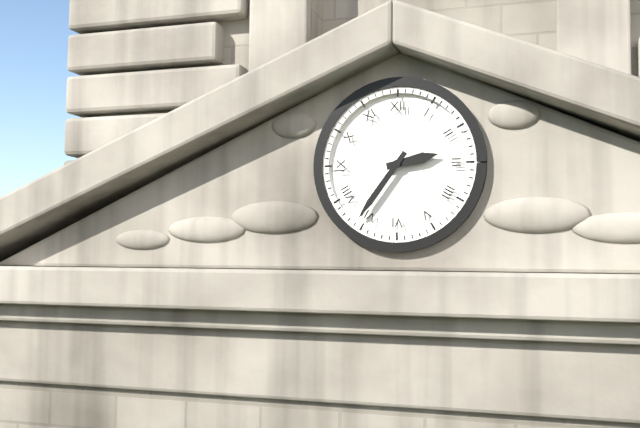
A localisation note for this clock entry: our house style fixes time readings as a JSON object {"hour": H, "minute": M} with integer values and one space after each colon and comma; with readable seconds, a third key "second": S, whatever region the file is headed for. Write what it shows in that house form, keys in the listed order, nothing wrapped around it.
{"hour": 2, "minute": 36}
